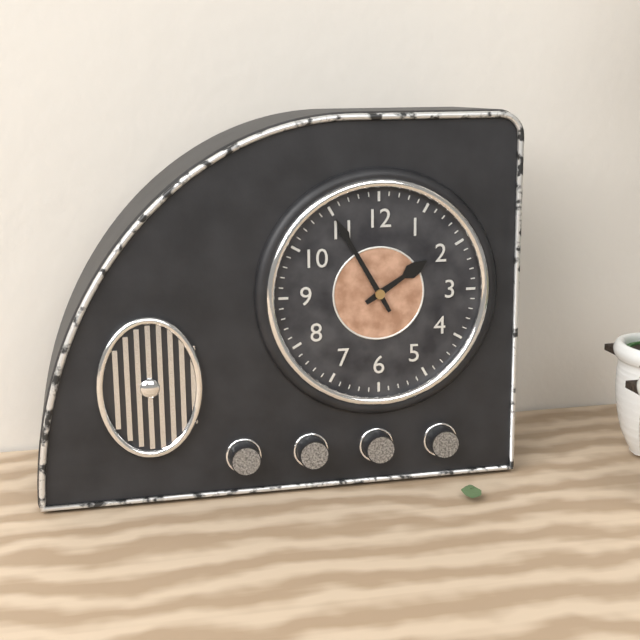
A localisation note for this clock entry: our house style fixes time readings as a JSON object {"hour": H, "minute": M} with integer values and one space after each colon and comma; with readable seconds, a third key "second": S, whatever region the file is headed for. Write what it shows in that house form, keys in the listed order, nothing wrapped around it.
{"hour": 1, "minute": 55}
